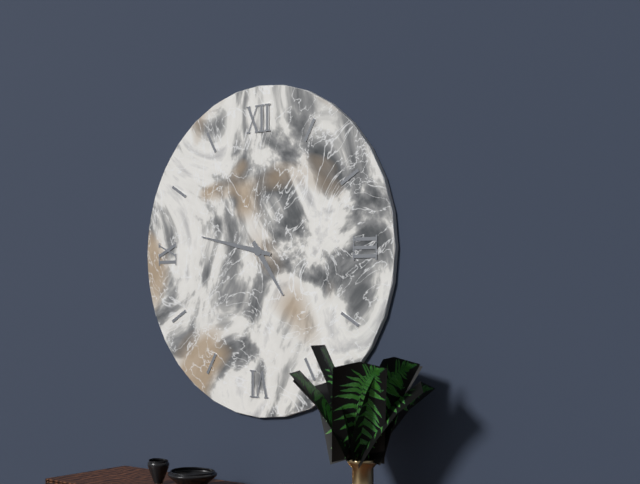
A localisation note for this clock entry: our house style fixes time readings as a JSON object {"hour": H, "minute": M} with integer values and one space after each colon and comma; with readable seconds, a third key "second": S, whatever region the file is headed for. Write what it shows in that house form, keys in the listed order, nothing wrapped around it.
{"hour": 4, "minute": 47}
